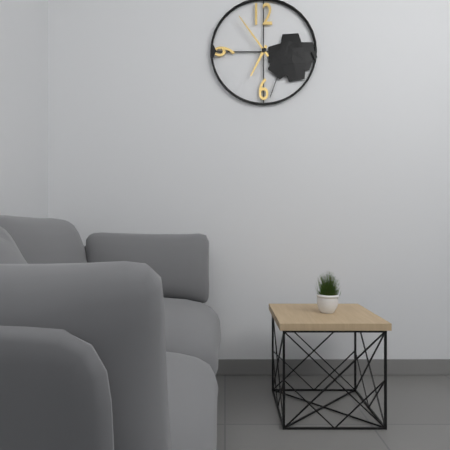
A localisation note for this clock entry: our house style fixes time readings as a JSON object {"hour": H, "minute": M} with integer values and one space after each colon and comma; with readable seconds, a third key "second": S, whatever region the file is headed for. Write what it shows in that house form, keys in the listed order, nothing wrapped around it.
{"hour": 6, "minute": 54}
